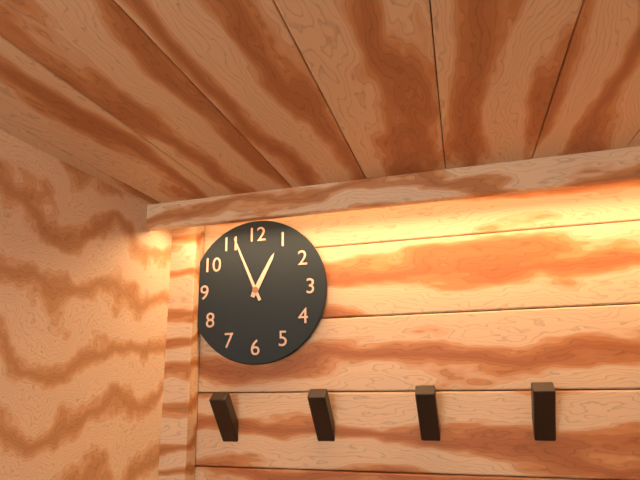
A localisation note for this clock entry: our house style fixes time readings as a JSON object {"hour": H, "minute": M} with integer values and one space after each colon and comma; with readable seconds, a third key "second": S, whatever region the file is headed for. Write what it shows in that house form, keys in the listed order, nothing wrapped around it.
{"hour": 12, "minute": 56}
